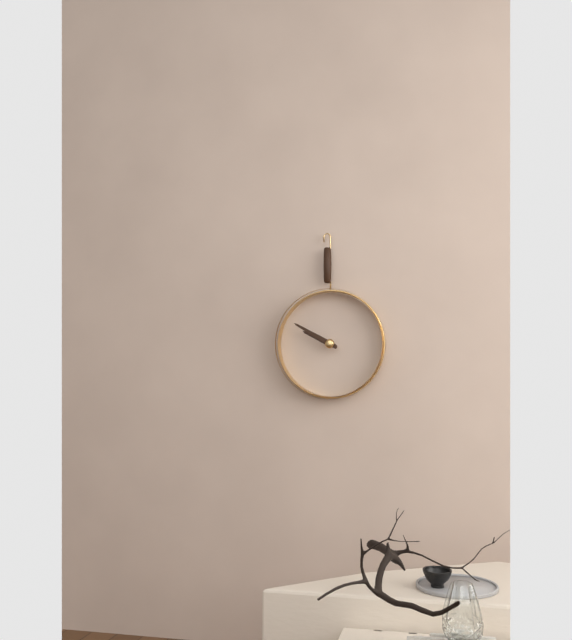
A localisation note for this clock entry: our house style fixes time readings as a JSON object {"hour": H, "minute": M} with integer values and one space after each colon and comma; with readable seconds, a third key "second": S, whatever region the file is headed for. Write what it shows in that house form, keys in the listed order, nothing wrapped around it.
{"hour": 9, "minute": 50}
